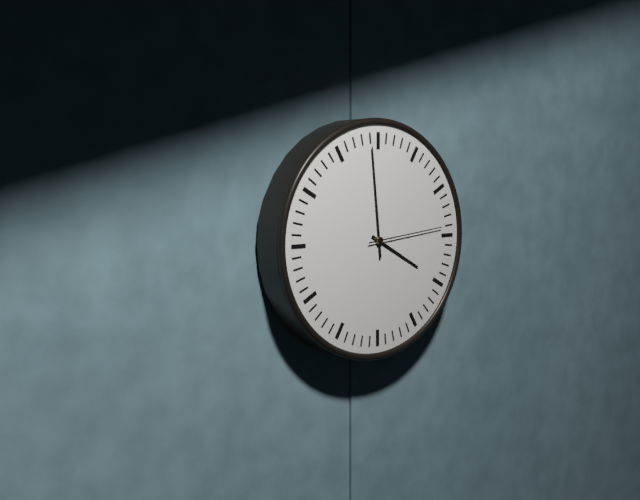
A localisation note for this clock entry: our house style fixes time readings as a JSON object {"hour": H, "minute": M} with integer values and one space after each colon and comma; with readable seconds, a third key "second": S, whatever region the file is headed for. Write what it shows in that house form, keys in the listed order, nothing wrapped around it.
{"hour": 3, "minute": 59, "second": 14}
